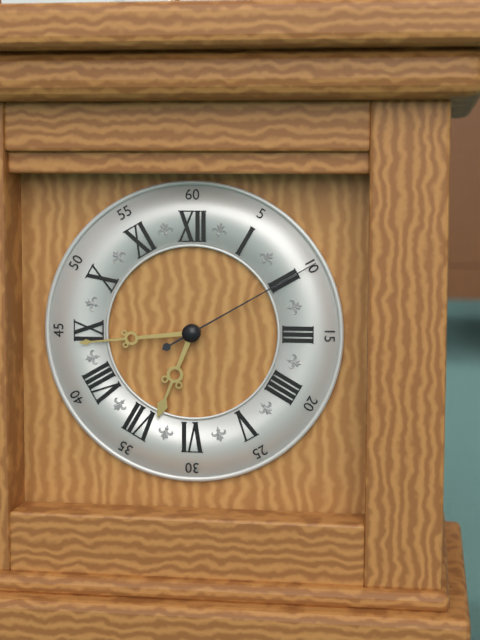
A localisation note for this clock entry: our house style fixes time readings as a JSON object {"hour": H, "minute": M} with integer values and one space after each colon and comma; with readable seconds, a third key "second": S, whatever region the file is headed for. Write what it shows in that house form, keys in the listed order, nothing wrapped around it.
{"hour": 6, "minute": 44, "second": 10}
